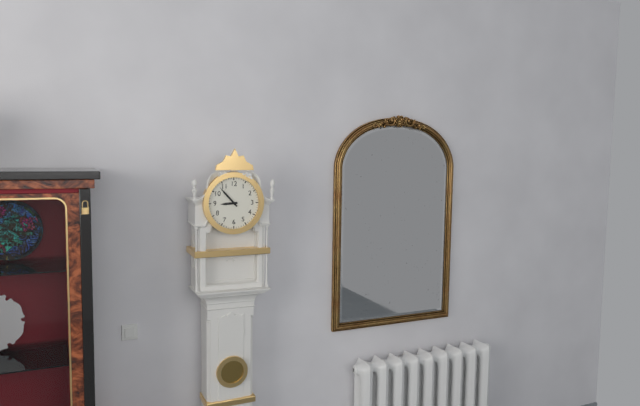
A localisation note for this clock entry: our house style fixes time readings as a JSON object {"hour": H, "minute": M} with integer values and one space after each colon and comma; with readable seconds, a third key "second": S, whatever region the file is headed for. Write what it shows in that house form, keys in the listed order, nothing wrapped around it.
{"hour": 8, "minute": 53}
